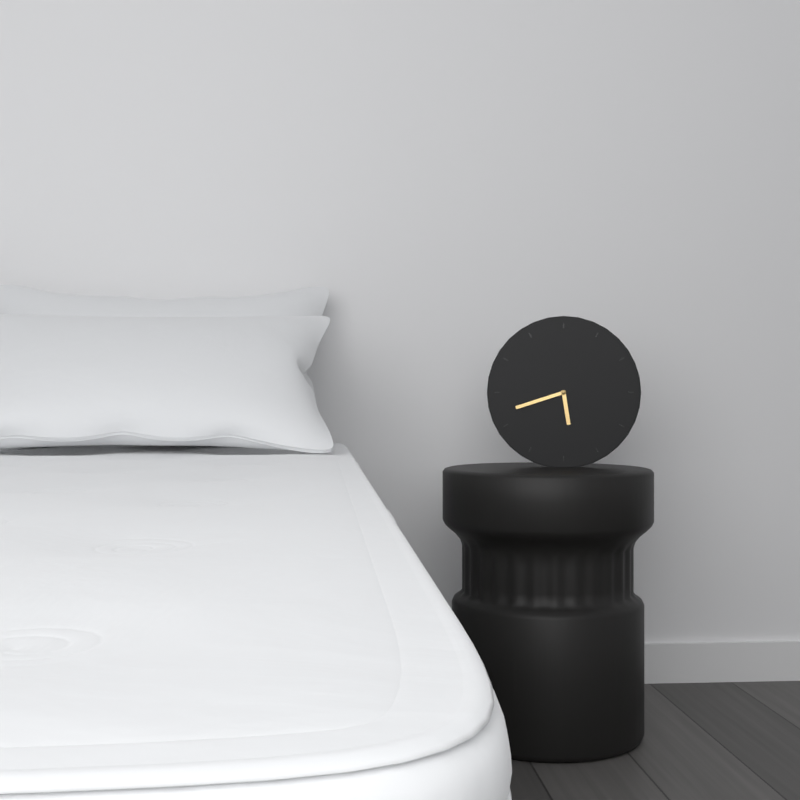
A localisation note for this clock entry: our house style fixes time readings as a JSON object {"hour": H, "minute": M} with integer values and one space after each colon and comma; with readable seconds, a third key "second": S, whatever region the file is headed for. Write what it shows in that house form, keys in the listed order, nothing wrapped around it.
{"hour": 5, "minute": 42}
